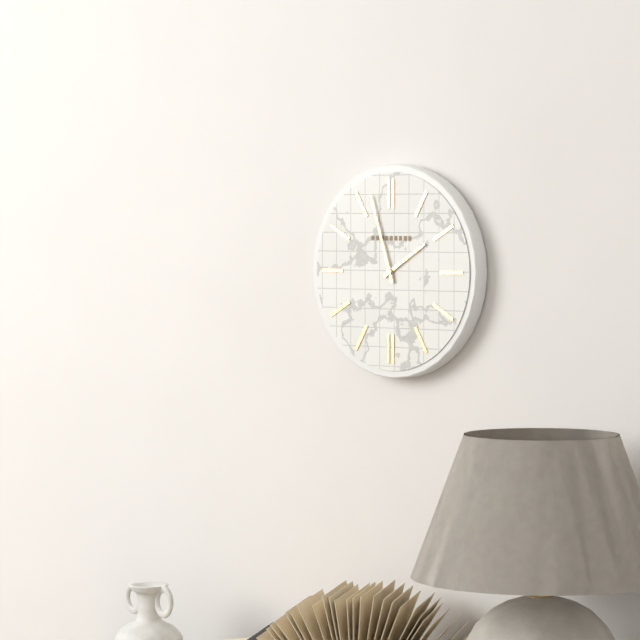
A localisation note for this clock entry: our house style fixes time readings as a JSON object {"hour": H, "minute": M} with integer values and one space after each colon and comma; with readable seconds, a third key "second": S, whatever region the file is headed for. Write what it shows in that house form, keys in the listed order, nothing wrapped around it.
{"hour": 1, "minute": 57}
